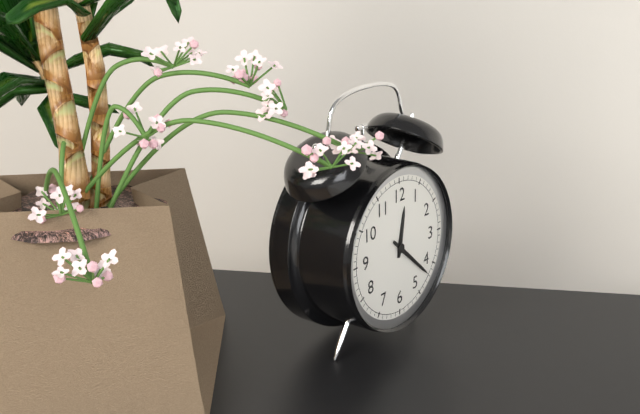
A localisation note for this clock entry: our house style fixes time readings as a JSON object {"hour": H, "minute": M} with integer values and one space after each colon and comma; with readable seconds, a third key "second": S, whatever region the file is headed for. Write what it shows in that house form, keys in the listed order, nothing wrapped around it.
{"hour": 12, "minute": 22}
